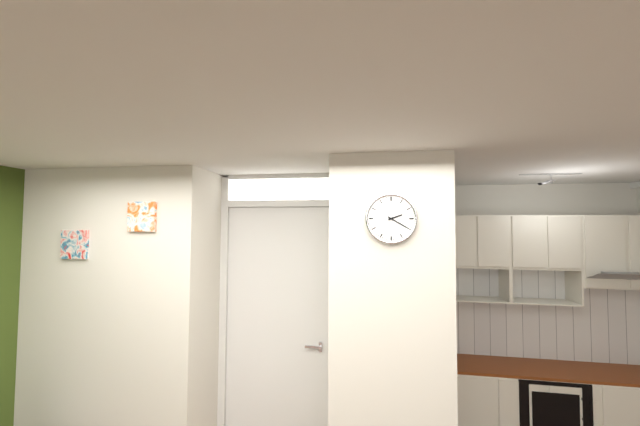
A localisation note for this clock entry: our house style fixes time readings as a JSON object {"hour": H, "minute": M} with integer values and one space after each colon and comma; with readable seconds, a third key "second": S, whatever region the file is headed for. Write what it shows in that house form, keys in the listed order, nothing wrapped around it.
{"hour": 2, "minute": 20}
